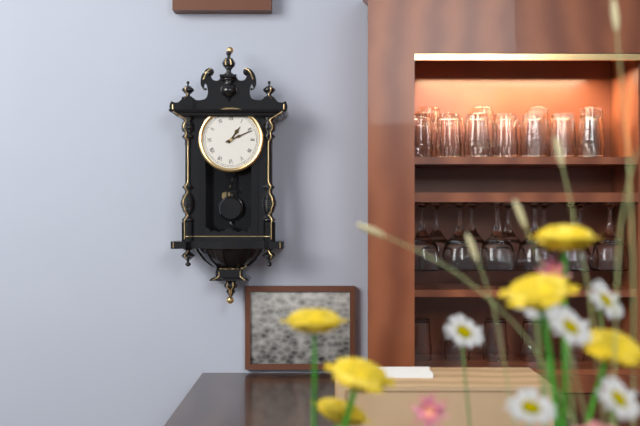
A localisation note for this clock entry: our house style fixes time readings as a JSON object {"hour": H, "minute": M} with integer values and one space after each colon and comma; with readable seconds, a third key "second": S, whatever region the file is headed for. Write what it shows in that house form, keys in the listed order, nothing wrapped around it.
{"hour": 1, "minute": 11}
